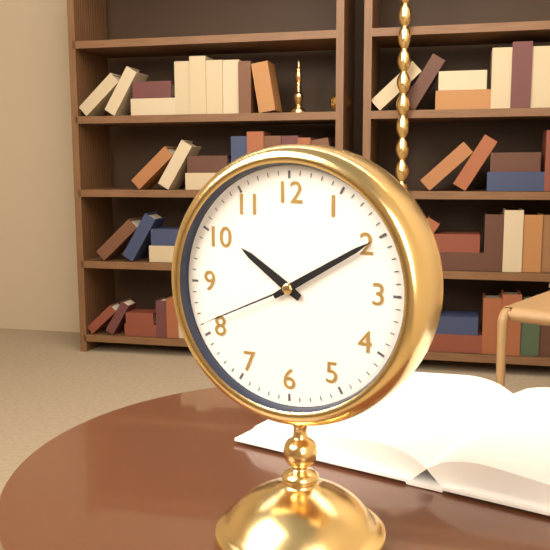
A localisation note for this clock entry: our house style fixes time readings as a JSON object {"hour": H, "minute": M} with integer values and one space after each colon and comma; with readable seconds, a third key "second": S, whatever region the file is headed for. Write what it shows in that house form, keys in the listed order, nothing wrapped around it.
{"hour": 10, "minute": 10, "second": 41}
